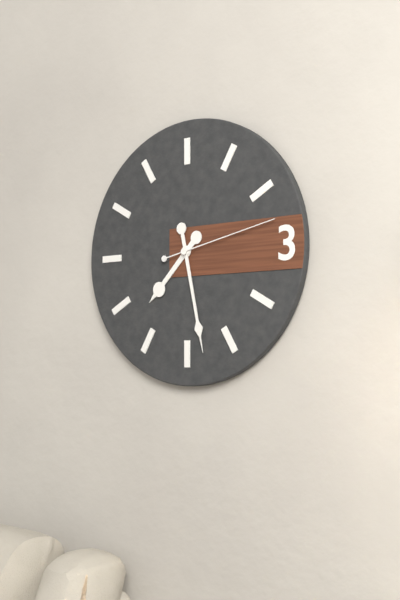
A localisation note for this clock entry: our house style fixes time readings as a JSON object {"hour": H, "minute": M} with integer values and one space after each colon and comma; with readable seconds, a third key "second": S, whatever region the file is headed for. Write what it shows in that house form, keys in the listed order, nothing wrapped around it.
{"hour": 7, "minute": 28, "second": 13}
